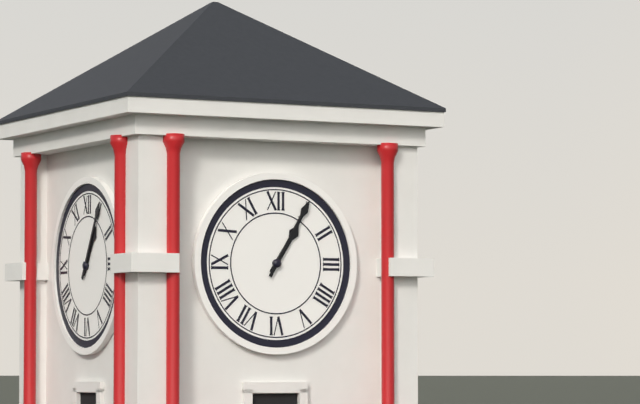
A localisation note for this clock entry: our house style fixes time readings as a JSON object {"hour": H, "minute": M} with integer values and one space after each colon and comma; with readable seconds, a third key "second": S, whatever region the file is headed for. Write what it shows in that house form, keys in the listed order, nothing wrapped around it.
{"hour": 1, "minute": 5}
